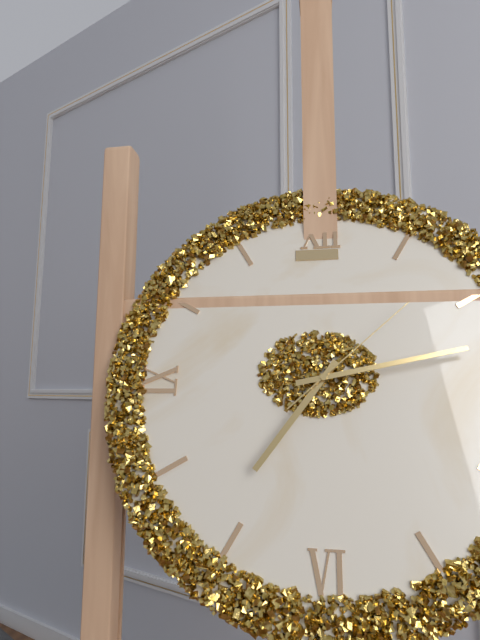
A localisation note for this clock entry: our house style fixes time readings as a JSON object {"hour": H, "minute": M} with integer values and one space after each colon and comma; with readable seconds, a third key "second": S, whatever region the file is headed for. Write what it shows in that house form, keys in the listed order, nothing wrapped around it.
{"hour": 7, "minute": 13, "second": 8}
